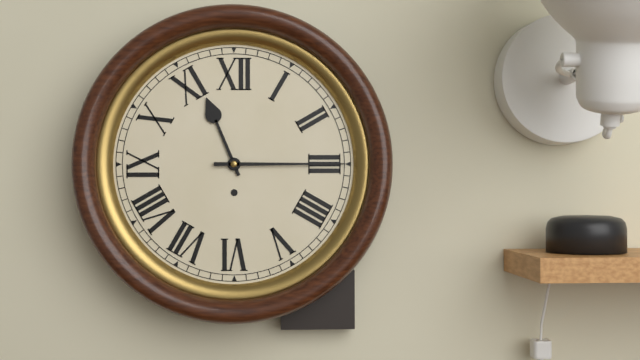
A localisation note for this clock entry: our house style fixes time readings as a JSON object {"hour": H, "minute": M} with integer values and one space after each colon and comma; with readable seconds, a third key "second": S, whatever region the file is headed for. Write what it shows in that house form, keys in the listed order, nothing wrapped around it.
{"hour": 11, "minute": 15}
